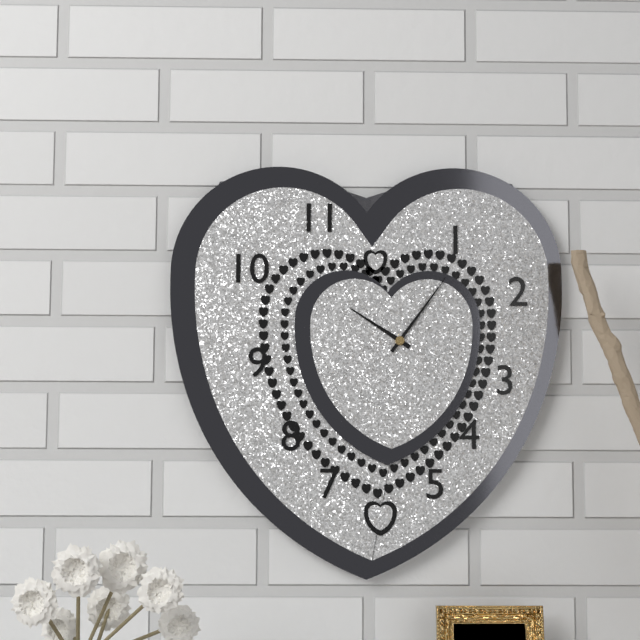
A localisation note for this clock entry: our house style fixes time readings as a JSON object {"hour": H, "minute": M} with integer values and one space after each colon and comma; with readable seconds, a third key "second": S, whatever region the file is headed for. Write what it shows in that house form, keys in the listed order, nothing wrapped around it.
{"hour": 10, "minute": 6}
